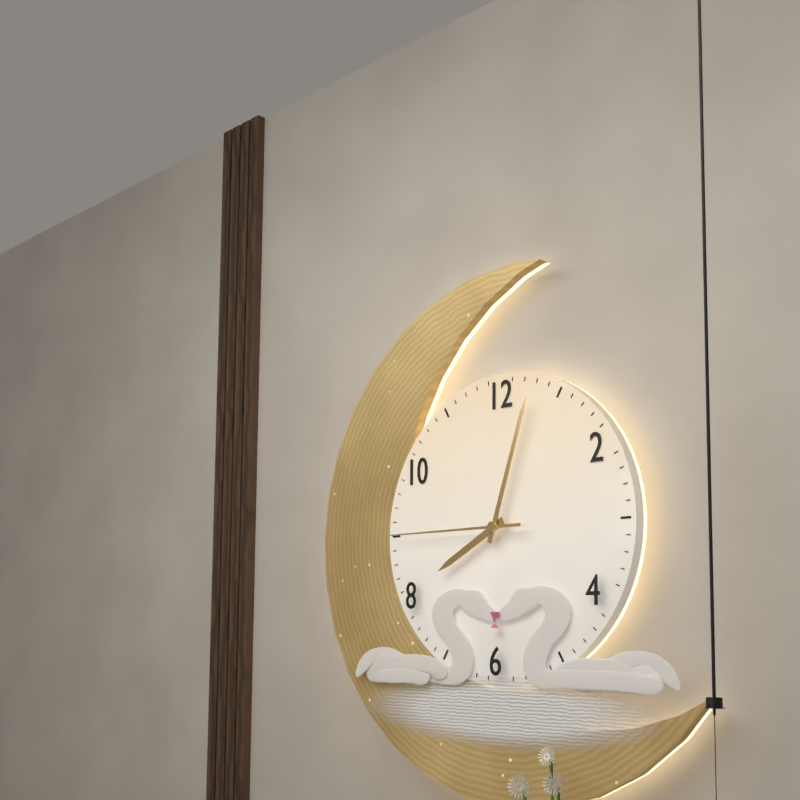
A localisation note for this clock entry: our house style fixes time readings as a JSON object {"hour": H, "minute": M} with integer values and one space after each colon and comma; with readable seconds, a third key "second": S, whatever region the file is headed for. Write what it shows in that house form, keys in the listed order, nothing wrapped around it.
{"hour": 8, "minute": 3, "second": 45}
